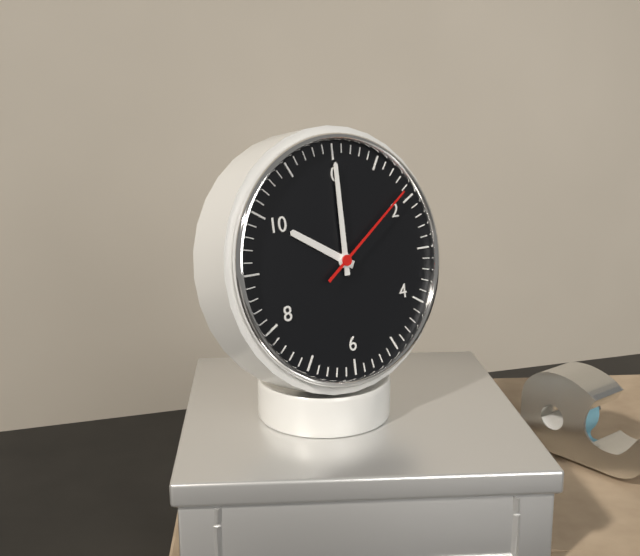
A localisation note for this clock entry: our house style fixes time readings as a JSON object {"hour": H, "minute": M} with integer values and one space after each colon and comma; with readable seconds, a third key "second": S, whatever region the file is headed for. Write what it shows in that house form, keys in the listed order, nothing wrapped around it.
{"hour": 10, "minute": 0, "second": 9}
